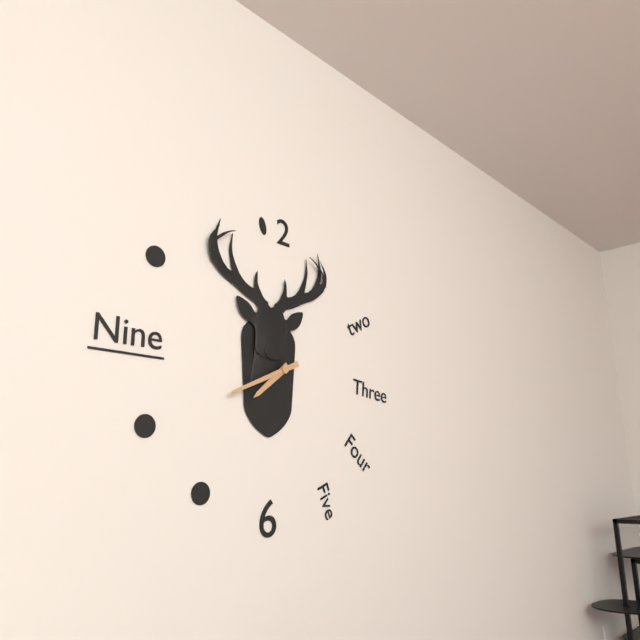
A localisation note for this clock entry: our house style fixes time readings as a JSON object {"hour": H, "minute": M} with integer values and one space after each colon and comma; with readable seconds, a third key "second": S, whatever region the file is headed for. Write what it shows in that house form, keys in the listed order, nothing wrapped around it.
{"hour": 7, "minute": 41}
